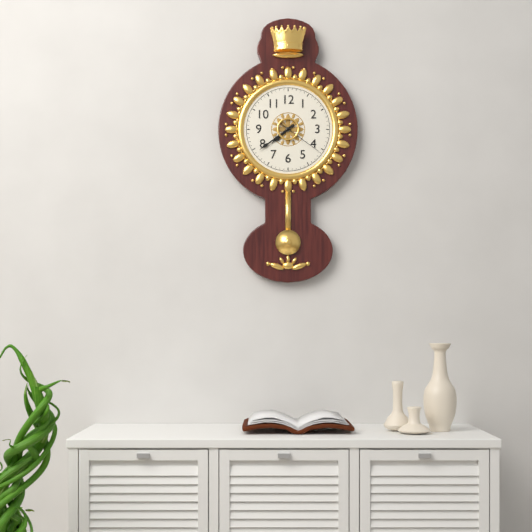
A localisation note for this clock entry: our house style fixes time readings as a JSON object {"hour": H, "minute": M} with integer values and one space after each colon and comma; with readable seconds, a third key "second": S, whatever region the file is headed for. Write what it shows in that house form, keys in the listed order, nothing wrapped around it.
{"hour": 7, "minute": 39}
